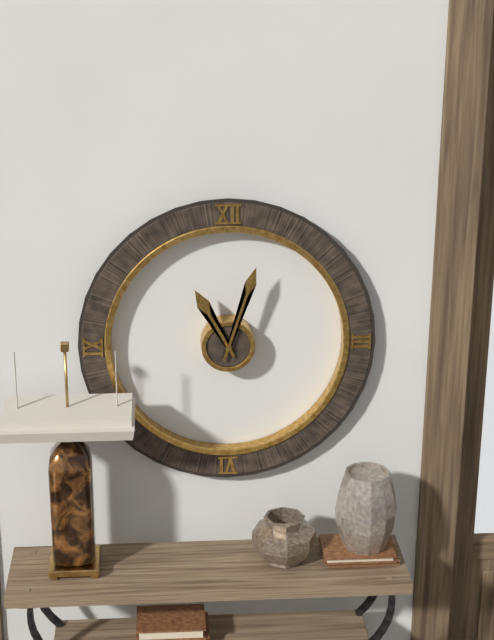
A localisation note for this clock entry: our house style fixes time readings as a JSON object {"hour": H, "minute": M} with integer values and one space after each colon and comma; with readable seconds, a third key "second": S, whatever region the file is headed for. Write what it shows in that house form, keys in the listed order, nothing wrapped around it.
{"hour": 11, "minute": 3}
